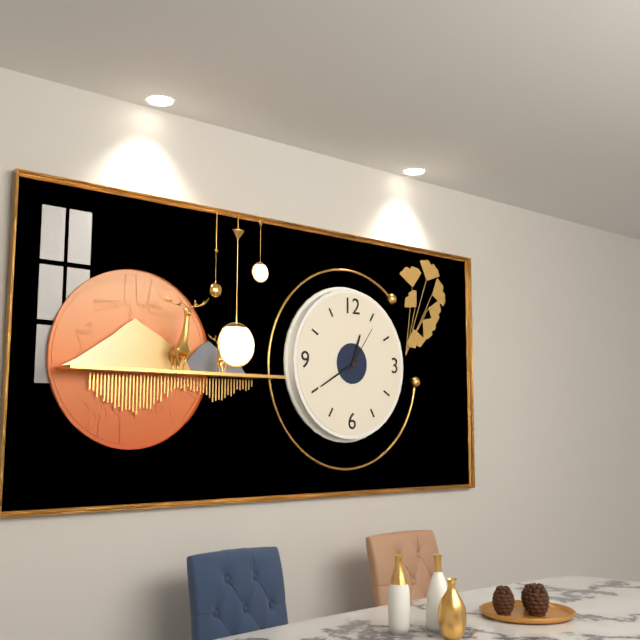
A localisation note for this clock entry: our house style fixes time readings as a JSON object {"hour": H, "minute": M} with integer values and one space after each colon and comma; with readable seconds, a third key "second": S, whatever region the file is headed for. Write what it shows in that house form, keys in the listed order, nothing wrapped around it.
{"hour": 12, "minute": 40}
